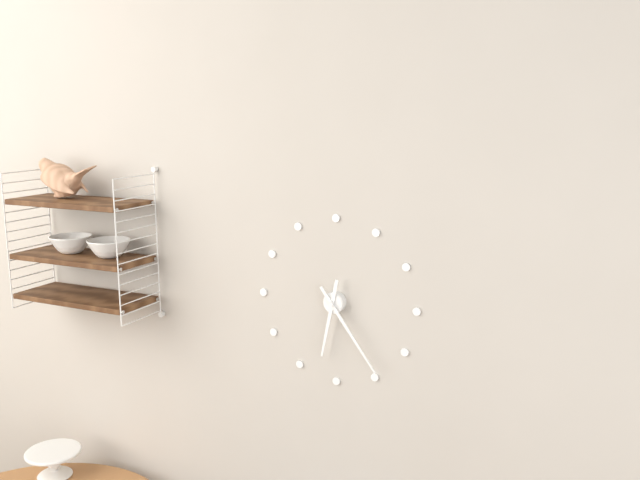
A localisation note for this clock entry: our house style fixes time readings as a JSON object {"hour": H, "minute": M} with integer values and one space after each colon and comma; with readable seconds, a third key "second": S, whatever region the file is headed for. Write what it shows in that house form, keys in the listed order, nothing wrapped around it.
{"hour": 6, "minute": 24}
